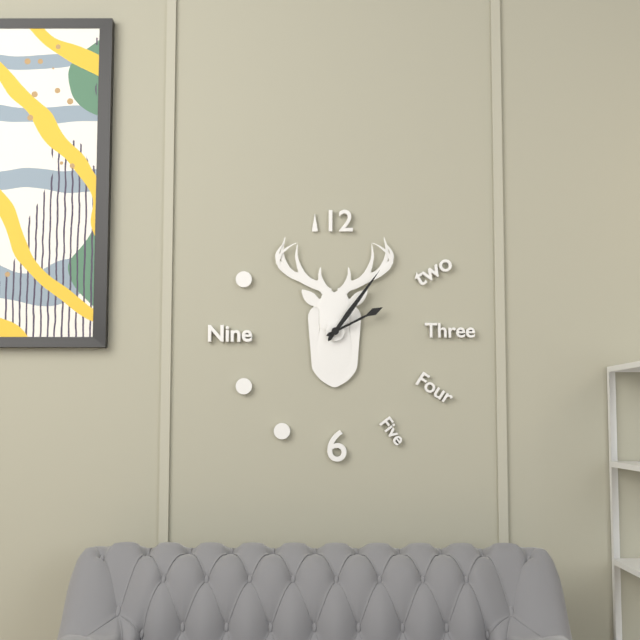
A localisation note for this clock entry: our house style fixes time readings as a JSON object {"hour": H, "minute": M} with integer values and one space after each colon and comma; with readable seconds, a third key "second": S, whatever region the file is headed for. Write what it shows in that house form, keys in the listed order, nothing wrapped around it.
{"hour": 2, "minute": 6}
